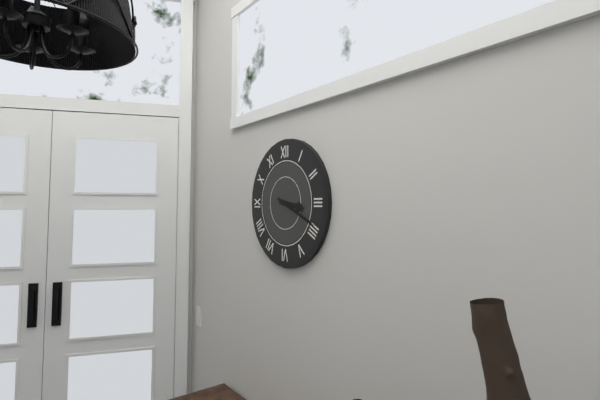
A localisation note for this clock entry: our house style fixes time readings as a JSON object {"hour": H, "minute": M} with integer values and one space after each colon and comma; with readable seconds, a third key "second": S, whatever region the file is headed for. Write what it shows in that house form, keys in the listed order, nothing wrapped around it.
{"hour": 3, "minute": 19}
